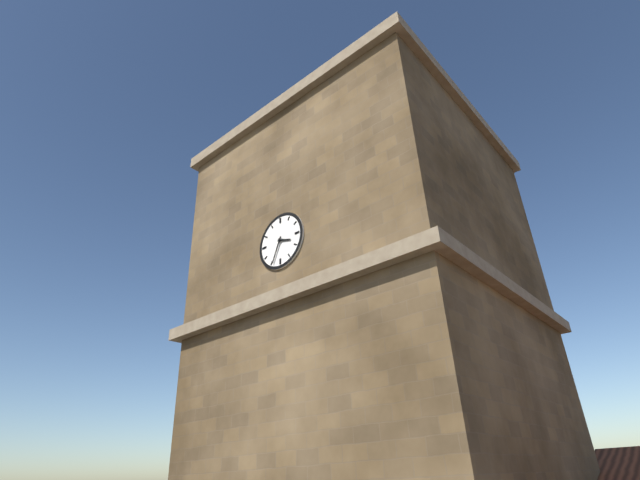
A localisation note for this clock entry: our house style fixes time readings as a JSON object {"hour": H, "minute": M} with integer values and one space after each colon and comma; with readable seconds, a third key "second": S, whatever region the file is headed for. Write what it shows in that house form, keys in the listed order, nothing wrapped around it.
{"hour": 3, "minute": 34}
